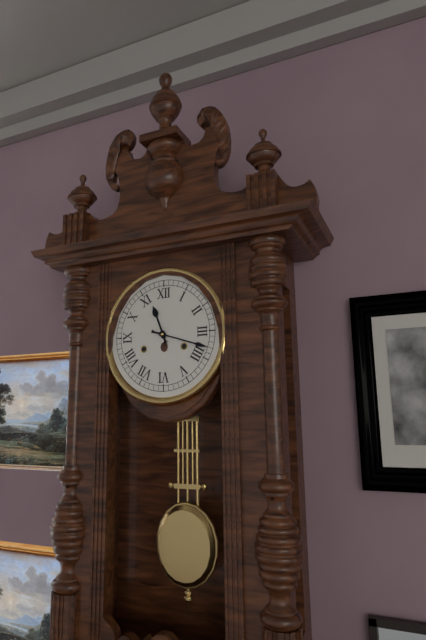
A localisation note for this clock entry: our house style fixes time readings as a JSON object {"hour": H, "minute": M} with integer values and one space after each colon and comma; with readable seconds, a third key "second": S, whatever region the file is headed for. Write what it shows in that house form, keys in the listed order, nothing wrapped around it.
{"hour": 11, "minute": 18}
